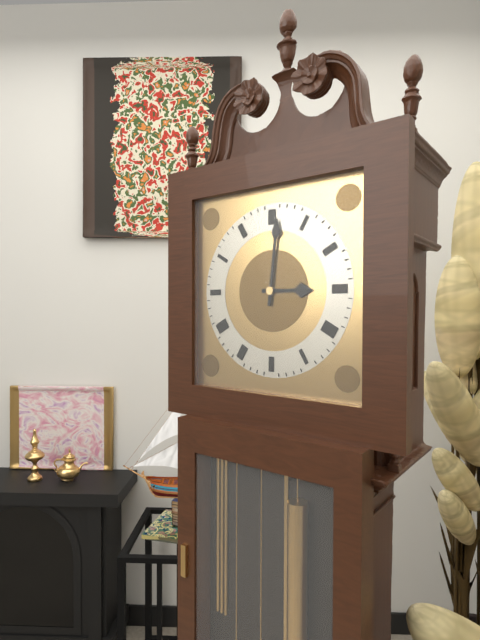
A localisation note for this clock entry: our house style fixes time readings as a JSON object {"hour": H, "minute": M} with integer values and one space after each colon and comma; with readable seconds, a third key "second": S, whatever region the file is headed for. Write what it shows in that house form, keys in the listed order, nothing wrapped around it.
{"hour": 3, "minute": 1}
